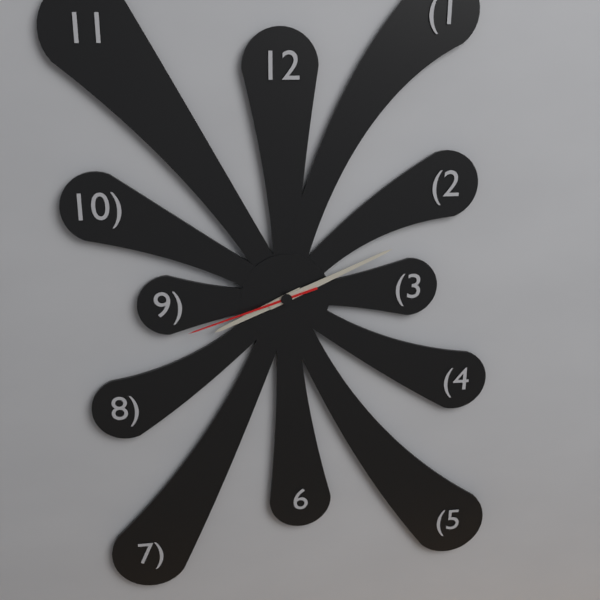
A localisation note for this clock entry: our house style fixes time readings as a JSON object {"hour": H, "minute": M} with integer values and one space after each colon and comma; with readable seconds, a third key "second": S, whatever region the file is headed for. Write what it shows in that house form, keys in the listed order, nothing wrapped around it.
{"hour": 8, "minute": 11, "second": 42}
